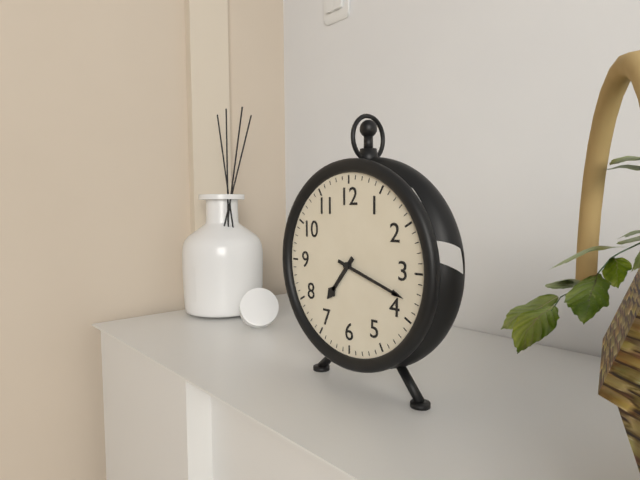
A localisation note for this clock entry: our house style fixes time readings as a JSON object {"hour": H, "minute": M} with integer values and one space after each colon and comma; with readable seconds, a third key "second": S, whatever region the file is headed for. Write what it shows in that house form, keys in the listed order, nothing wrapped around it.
{"hour": 7, "minute": 18}
